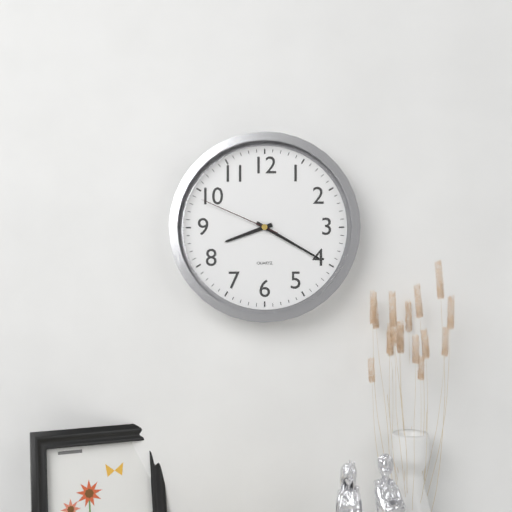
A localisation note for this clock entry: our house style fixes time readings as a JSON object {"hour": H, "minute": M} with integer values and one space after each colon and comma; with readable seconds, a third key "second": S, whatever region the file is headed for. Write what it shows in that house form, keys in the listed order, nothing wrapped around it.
{"hour": 8, "minute": 20, "second": 49}
